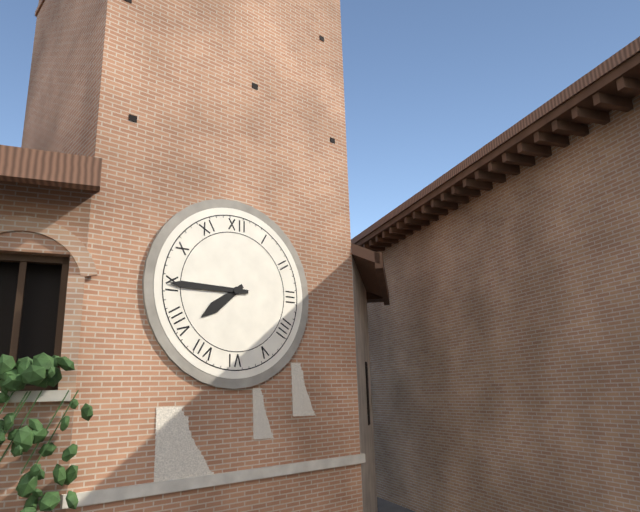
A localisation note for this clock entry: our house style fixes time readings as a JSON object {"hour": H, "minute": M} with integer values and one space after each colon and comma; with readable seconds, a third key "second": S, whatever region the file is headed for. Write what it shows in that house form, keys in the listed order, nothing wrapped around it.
{"hour": 7, "minute": 45}
